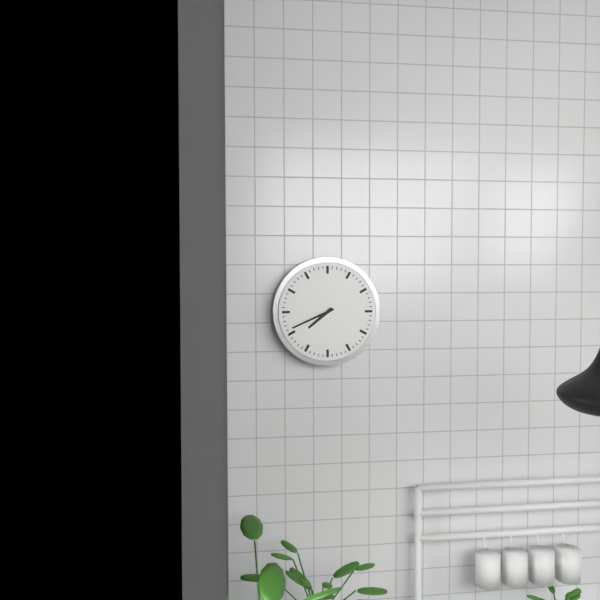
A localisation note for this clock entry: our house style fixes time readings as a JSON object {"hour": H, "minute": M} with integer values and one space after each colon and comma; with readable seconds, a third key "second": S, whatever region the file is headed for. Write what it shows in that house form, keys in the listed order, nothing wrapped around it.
{"hour": 7, "minute": 41}
